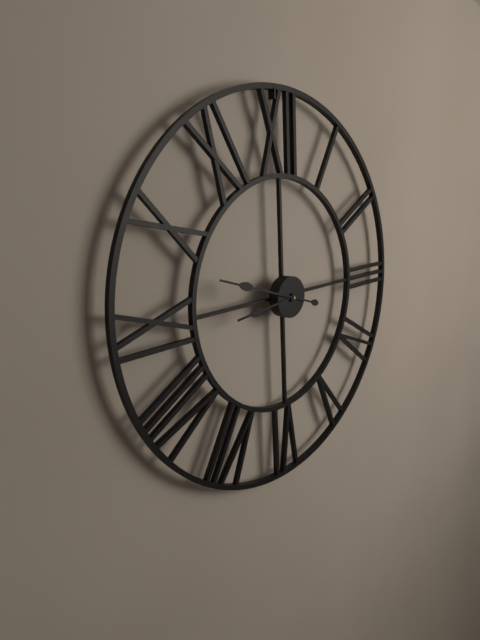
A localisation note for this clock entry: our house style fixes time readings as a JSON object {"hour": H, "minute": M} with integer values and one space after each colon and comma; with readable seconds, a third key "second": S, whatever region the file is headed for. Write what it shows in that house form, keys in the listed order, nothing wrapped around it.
{"hour": 8, "minute": 48}
